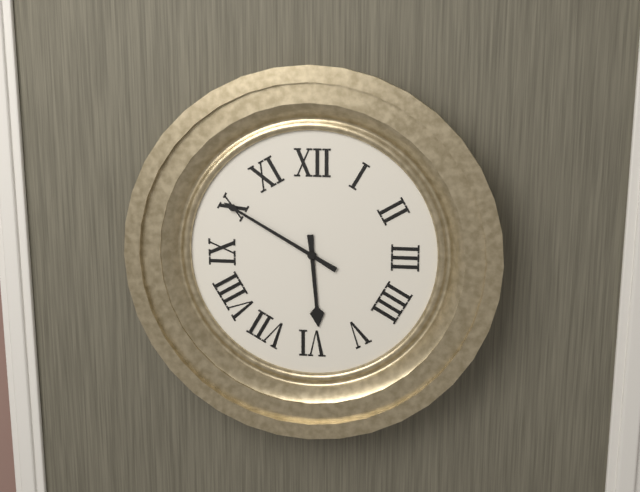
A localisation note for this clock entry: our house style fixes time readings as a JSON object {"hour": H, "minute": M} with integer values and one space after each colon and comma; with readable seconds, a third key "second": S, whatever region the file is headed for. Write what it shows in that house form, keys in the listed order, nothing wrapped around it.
{"hour": 5, "minute": 50}
